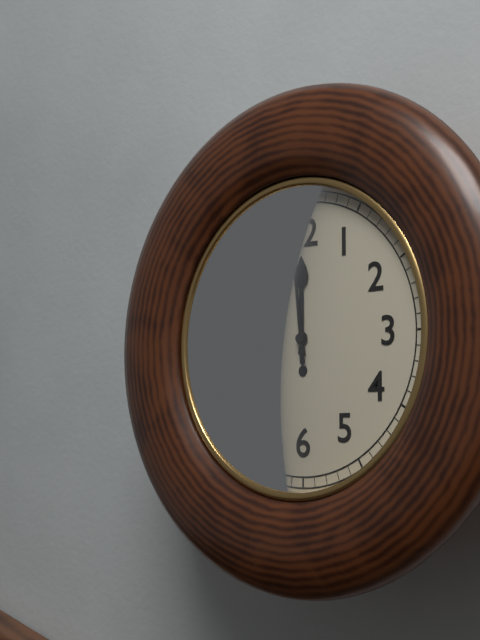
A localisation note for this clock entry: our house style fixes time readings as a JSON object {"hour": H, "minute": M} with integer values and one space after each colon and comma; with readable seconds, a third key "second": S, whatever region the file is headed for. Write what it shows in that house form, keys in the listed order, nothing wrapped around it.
{"hour": 11, "minute": 59}
